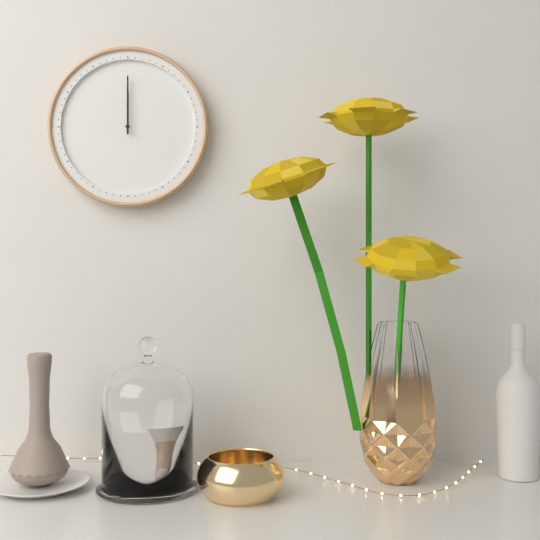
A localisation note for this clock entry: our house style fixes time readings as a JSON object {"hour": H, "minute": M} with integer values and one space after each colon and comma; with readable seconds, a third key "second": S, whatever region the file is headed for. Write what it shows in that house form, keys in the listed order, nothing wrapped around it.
{"hour": 12, "minute": 0}
